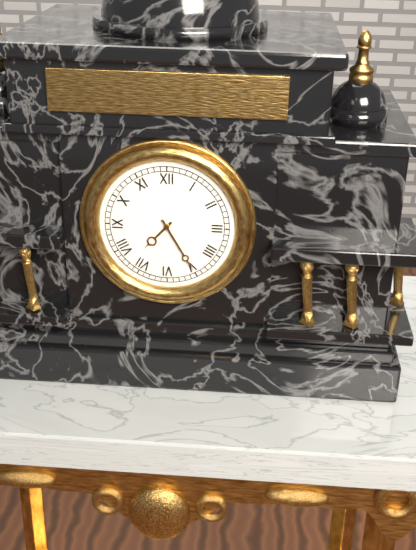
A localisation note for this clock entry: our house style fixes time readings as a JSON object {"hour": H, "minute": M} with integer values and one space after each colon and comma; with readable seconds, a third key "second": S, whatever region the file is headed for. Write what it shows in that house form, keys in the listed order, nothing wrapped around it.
{"hour": 7, "minute": 25}
